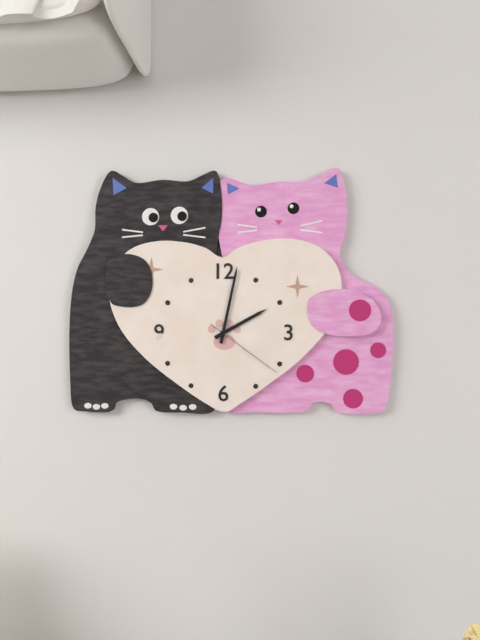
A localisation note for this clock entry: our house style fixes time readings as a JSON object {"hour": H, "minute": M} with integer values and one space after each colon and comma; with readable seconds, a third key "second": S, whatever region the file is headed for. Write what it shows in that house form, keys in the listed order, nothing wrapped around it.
{"hour": 2, "minute": 2, "second": 21}
